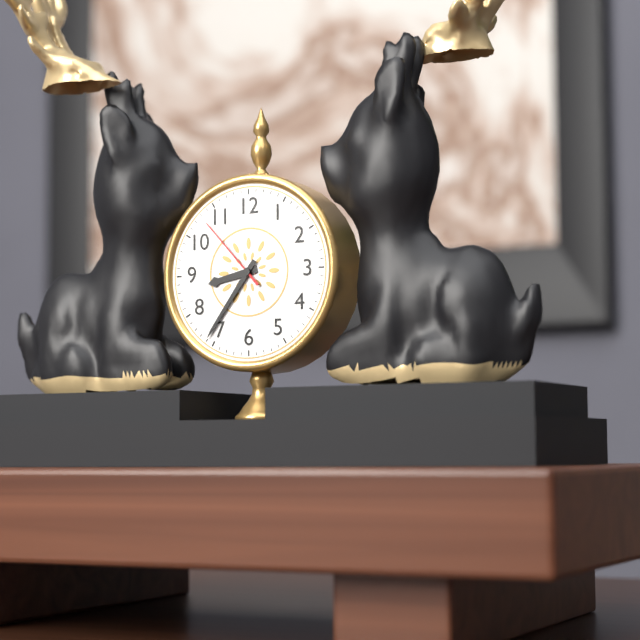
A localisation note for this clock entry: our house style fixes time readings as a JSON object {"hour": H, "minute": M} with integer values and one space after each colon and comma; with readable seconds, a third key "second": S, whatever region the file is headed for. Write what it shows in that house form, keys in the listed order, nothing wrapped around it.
{"hour": 8, "minute": 36, "second": 53}
